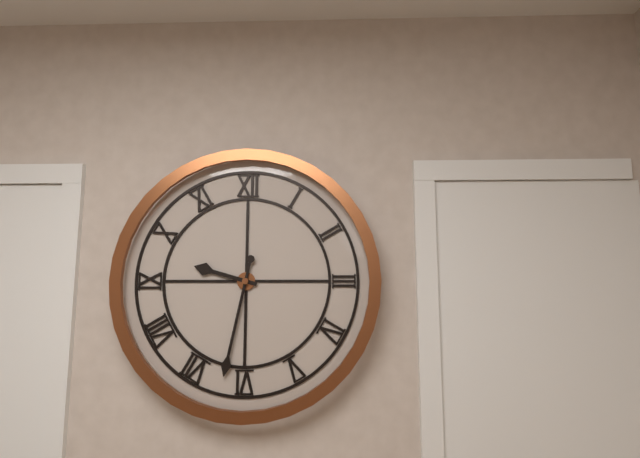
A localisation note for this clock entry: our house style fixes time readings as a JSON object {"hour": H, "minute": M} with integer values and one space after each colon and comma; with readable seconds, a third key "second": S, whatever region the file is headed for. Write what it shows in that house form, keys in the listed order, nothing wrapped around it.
{"hour": 9, "minute": 32}
